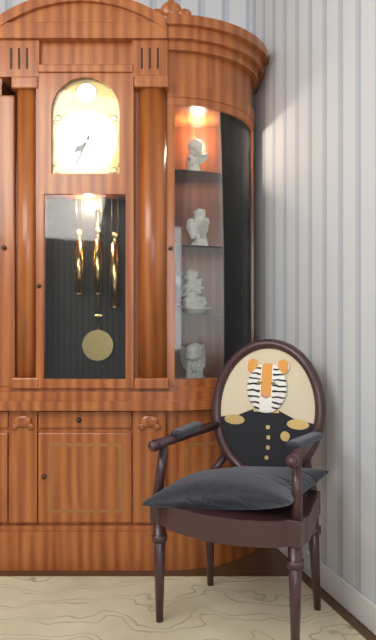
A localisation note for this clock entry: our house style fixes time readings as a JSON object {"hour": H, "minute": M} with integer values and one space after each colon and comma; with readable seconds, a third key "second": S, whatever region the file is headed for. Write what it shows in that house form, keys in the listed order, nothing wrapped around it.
{"hour": 7, "minute": 34}
